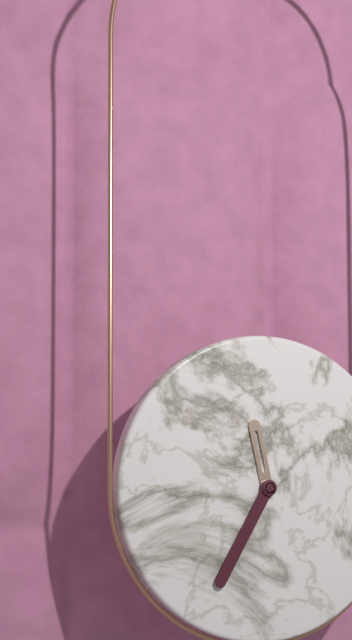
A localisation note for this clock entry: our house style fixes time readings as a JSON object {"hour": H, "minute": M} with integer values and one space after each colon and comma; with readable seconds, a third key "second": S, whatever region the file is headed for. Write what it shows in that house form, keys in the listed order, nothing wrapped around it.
{"hour": 11, "minute": 35}
